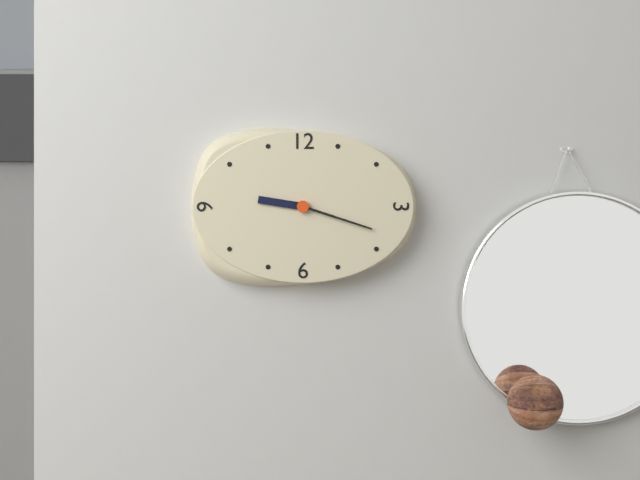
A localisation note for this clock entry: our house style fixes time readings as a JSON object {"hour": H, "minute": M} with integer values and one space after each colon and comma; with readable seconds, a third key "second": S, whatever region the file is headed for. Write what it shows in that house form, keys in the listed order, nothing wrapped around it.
{"hour": 9, "minute": 18}
